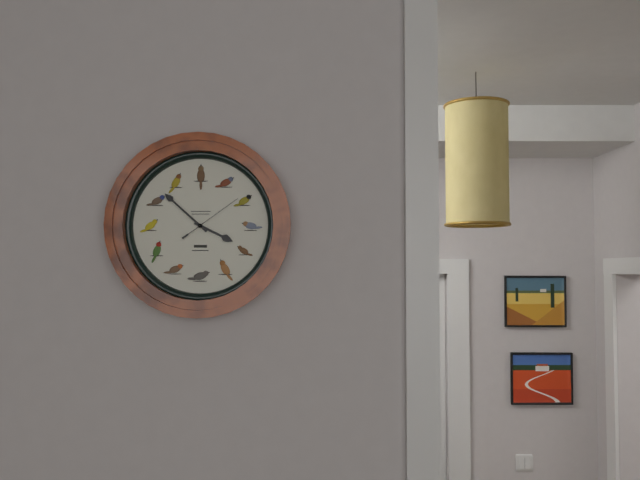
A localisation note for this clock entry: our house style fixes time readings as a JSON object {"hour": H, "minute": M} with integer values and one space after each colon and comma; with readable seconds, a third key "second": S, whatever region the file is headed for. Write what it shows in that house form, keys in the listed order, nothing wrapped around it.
{"hour": 3, "minute": 52, "second": 9}
